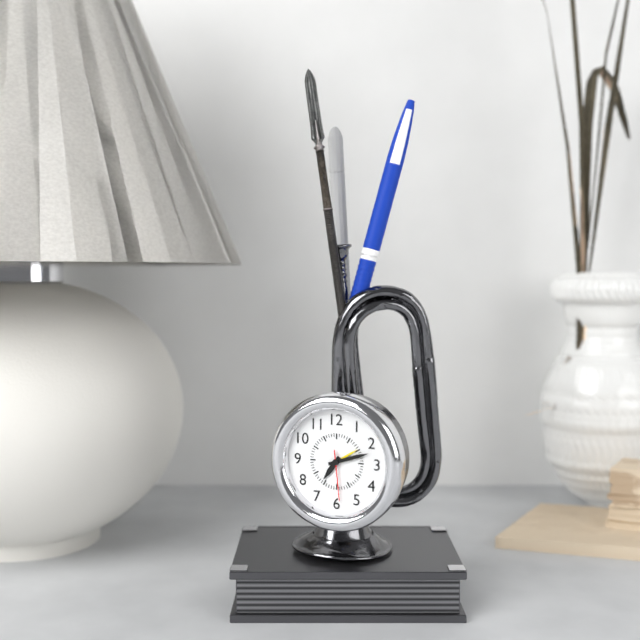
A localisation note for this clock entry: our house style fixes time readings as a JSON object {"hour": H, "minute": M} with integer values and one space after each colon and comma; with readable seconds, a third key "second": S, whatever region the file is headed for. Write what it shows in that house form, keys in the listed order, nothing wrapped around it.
{"hour": 7, "minute": 12, "second": 29}
